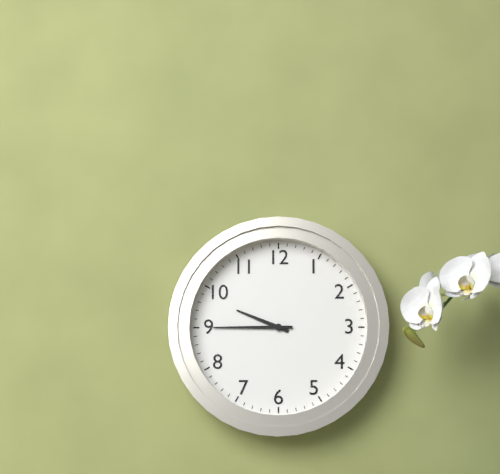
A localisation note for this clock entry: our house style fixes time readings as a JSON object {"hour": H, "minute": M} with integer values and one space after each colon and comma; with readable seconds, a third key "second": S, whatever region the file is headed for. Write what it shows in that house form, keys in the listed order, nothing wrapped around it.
{"hour": 9, "minute": 45}
